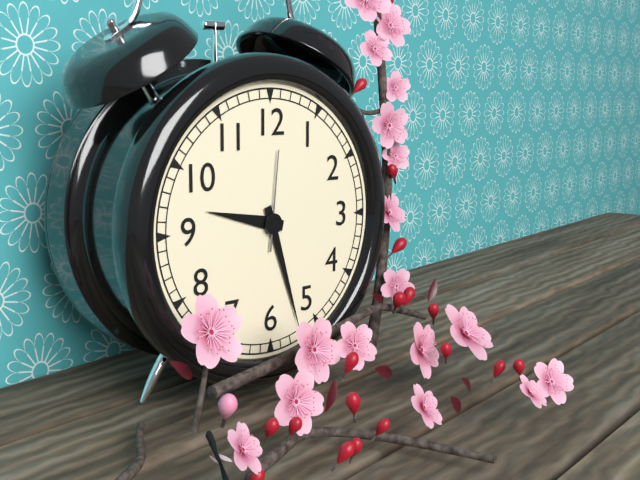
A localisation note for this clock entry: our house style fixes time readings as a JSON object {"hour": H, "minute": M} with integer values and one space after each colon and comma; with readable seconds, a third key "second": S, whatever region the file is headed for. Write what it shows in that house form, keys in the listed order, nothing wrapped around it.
{"hour": 9, "minute": 27, "second": 1}
